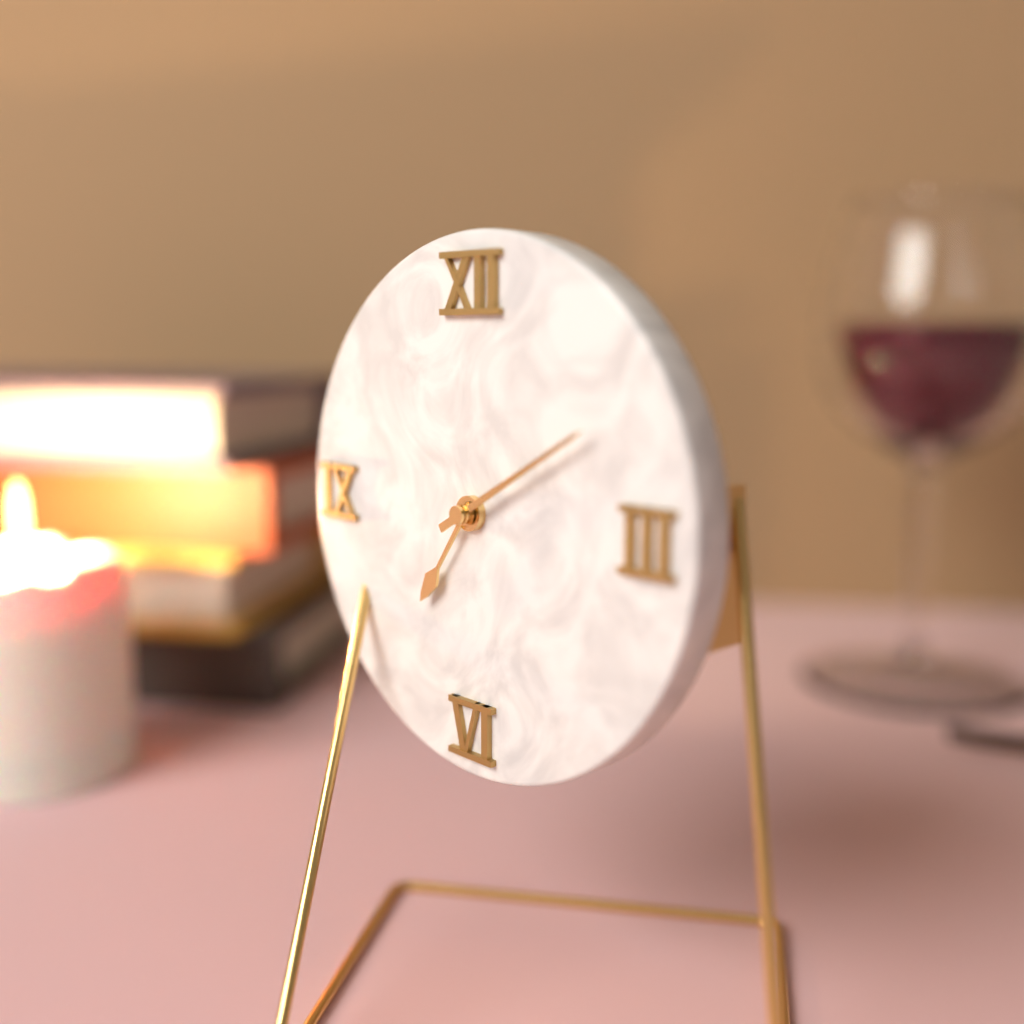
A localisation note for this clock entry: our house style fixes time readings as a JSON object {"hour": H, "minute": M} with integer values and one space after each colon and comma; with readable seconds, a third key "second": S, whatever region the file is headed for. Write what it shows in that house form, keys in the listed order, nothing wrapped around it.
{"hour": 7, "minute": 10}
